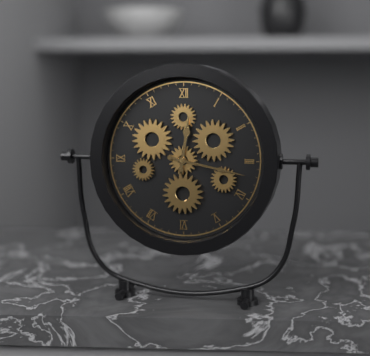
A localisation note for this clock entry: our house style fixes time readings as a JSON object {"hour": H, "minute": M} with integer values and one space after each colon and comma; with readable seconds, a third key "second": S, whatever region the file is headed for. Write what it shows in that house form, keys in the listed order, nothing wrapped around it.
{"hour": 12, "minute": 17}
